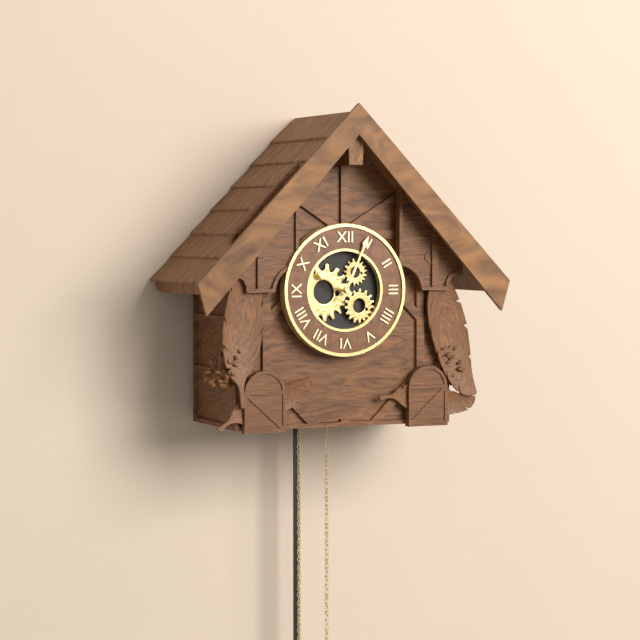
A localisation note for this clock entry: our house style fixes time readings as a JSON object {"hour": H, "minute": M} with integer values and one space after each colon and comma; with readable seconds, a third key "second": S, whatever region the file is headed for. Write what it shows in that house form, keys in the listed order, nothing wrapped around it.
{"hour": 10, "minute": 4}
